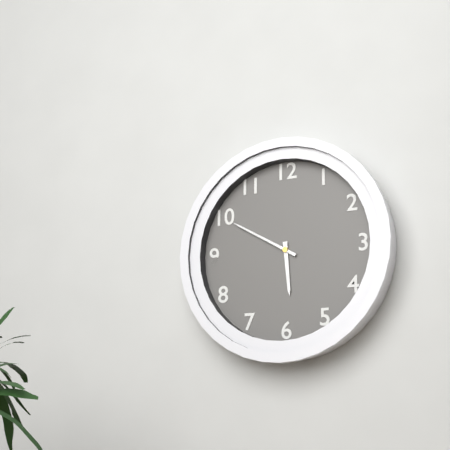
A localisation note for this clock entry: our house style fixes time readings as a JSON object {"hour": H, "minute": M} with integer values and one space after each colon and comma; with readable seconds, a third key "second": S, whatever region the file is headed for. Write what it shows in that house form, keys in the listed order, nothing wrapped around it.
{"hour": 5, "minute": 50}
